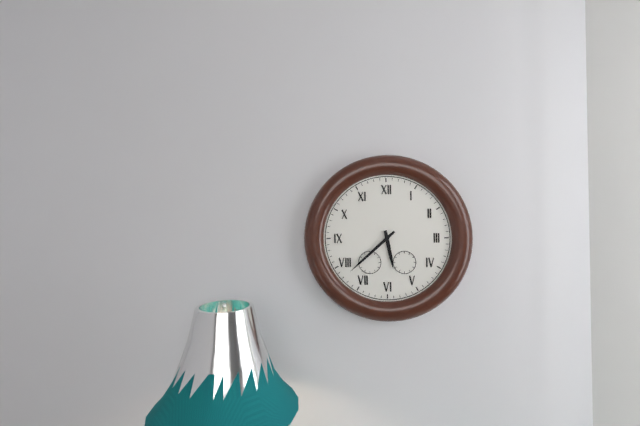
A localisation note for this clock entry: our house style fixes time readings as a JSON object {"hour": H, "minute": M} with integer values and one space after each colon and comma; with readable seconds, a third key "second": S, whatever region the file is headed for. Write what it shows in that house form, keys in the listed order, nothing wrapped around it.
{"hour": 5, "minute": 38}
